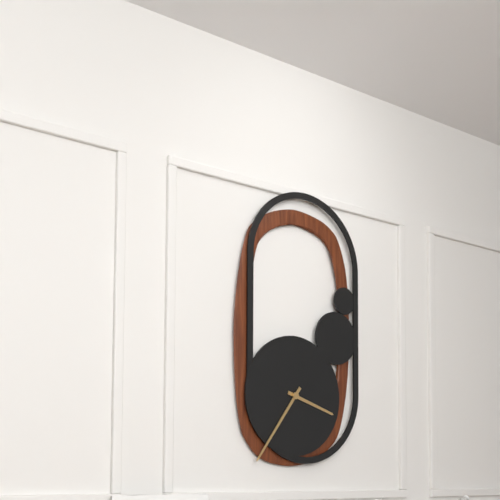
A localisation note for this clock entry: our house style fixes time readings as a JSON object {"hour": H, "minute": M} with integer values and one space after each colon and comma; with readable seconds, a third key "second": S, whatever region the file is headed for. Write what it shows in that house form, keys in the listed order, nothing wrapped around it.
{"hour": 3, "minute": 36}
